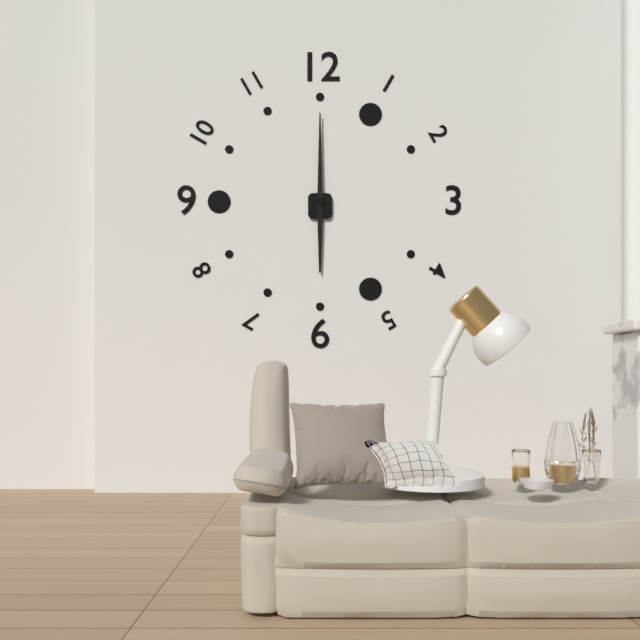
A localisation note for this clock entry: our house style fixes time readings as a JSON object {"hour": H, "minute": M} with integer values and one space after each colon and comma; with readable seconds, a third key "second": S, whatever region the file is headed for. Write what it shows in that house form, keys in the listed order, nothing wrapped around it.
{"hour": 6, "minute": 0}
